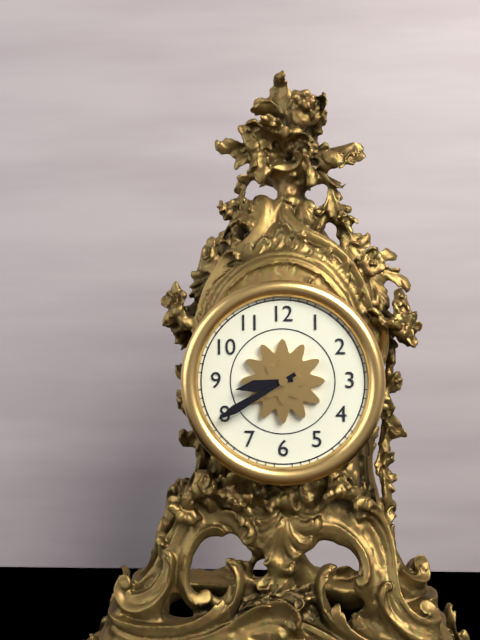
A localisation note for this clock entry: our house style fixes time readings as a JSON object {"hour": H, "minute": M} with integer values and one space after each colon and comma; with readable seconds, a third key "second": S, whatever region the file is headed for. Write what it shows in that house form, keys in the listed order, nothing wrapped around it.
{"hour": 8, "minute": 40}
